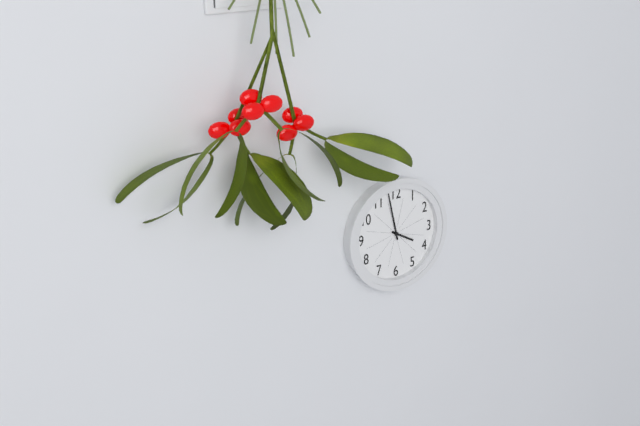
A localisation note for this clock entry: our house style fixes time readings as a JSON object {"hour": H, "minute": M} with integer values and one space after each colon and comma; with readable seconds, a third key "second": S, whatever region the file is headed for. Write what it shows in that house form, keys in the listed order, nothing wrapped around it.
{"hour": 3, "minute": 58}
